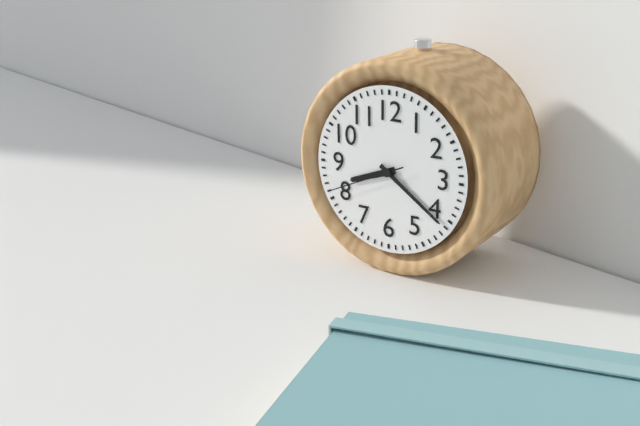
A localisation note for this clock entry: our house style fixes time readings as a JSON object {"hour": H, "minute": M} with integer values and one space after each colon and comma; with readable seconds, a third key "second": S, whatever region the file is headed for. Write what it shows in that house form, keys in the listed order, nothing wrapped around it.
{"hour": 8, "minute": 21, "second": 41}
